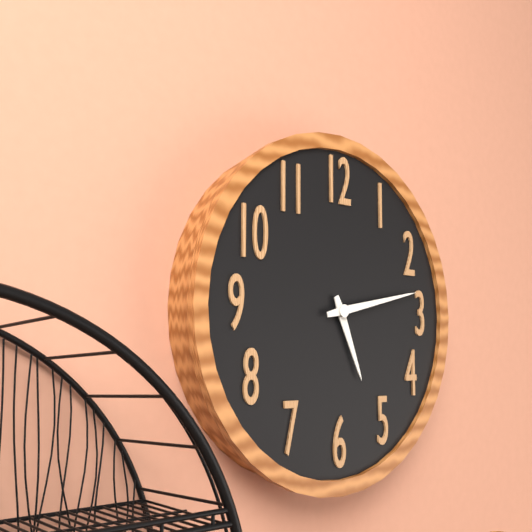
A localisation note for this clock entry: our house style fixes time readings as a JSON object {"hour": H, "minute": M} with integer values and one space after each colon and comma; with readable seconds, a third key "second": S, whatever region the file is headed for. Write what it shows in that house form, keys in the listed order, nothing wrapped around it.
{"hour": 5, "minute": 13}
